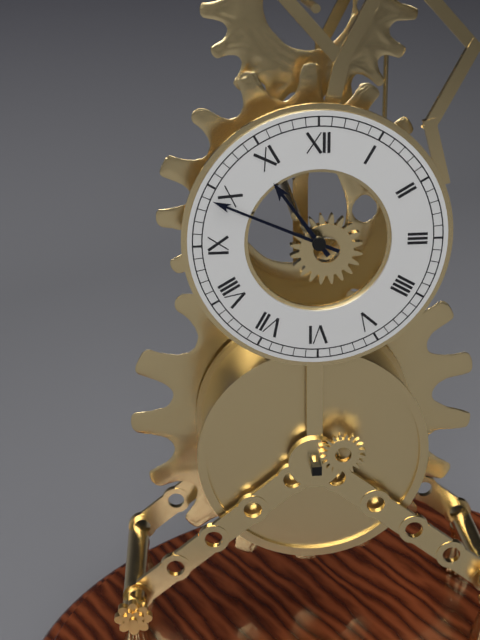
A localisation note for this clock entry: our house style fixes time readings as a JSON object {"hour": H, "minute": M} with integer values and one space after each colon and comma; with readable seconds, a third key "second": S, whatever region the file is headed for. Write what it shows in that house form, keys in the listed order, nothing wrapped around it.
{"hour": 10, "minute": 49}
